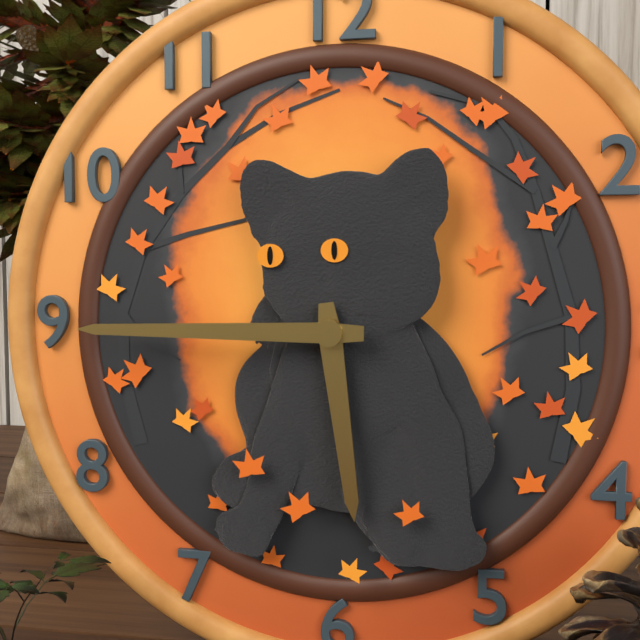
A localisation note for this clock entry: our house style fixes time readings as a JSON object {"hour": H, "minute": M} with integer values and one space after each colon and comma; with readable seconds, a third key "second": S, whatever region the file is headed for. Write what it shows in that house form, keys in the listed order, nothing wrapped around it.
{"hour": 5, "minute": 45}
